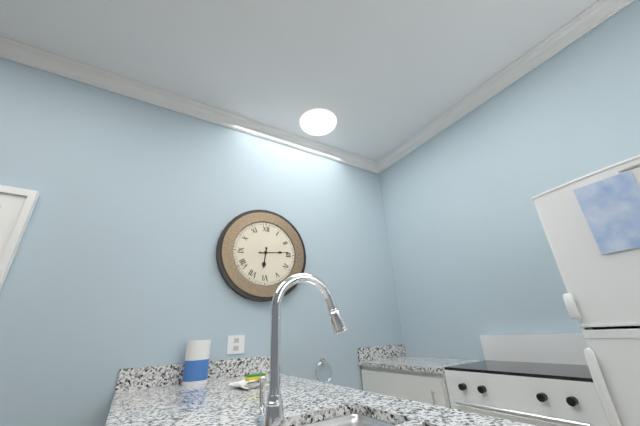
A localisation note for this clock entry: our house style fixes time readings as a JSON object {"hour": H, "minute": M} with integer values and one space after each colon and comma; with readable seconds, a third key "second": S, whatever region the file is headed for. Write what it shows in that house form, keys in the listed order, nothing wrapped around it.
{"hour": 6, "minute": 14}
